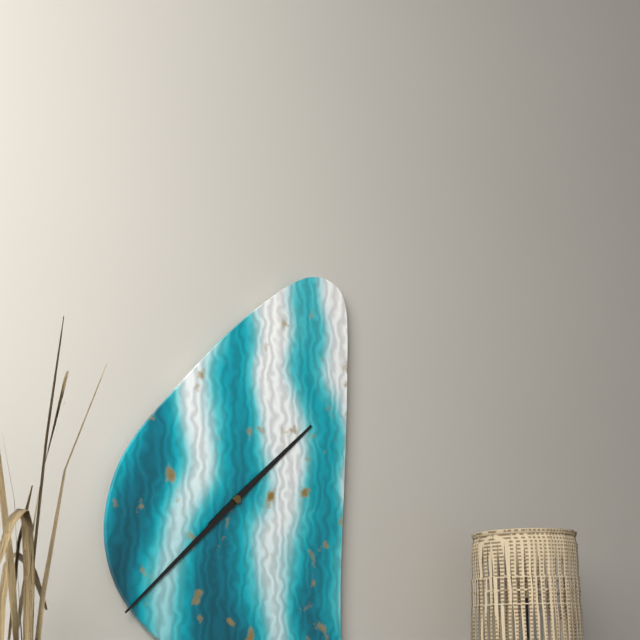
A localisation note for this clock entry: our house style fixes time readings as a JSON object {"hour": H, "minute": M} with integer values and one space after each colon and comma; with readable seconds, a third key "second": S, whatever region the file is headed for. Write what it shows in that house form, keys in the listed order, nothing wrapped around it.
{"hour": 1, "minute": 38}
